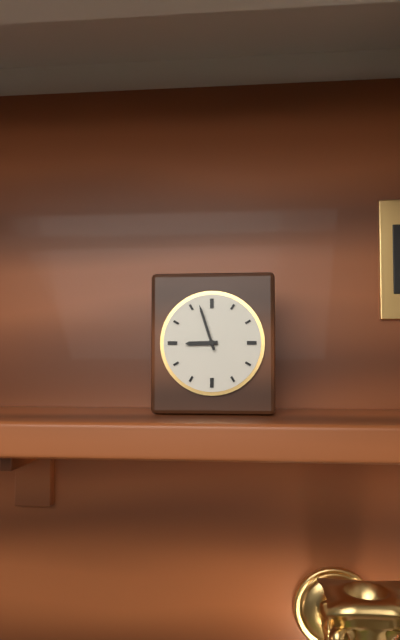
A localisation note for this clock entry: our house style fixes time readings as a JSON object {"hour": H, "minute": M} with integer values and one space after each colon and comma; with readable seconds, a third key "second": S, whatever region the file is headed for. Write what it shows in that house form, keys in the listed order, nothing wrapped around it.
{"hour": 8, "minute": 57}
